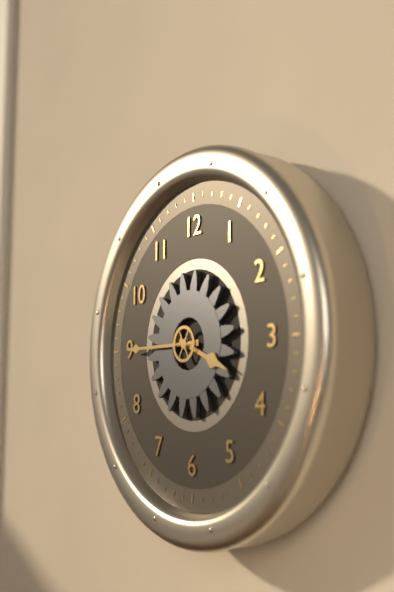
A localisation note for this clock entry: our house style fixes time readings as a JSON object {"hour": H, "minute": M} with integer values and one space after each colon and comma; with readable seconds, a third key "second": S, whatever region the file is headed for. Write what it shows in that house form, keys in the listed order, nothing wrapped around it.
{"hour": 3, "minute": 45}
